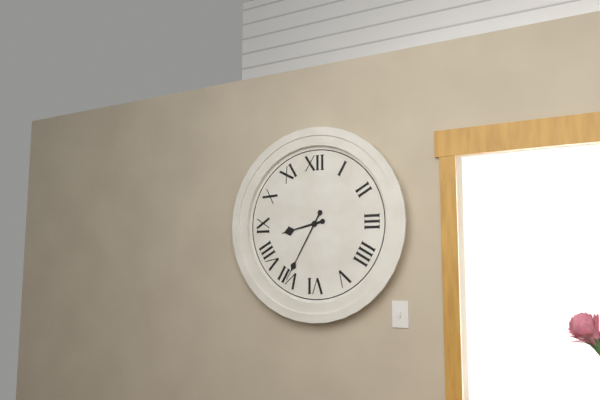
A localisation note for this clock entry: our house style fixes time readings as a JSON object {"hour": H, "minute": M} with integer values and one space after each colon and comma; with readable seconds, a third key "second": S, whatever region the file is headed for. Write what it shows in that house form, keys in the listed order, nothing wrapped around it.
{"hour": 8, "minute": 35}
